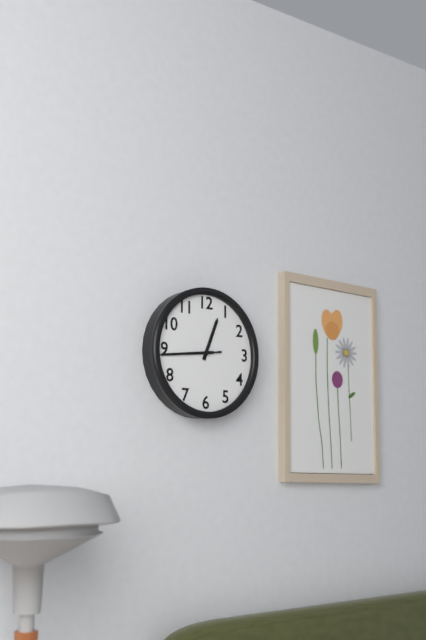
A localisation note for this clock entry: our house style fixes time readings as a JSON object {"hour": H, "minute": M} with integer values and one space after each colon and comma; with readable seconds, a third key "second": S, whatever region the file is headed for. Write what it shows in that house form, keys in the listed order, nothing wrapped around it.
{"hour": 12, "minute": 44, "second": 44}
